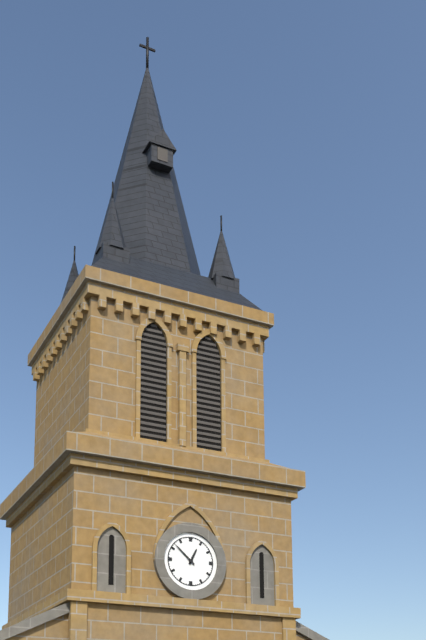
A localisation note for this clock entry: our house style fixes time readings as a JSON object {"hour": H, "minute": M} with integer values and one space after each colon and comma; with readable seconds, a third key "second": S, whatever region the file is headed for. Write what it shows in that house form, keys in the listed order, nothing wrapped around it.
{"hour": 12, "minute": 52}
